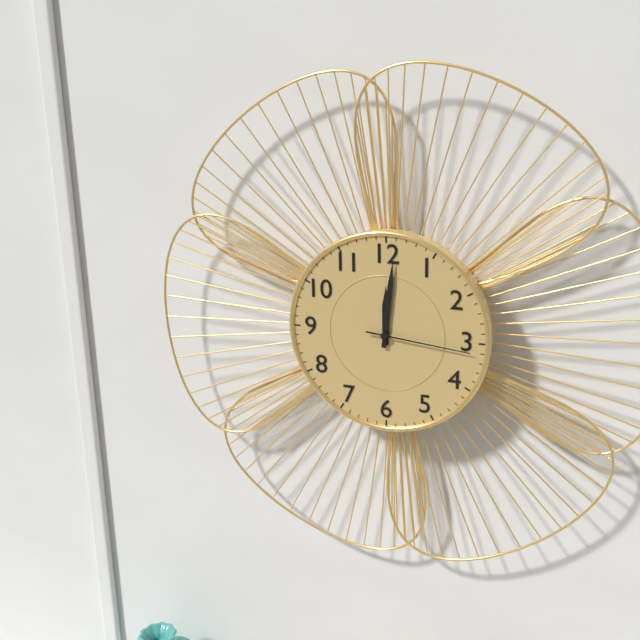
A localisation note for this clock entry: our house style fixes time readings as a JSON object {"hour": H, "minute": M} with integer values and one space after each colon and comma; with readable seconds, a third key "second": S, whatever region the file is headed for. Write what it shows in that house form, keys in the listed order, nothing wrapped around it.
{"hour": 12, "minute": 1, "second": 16}
